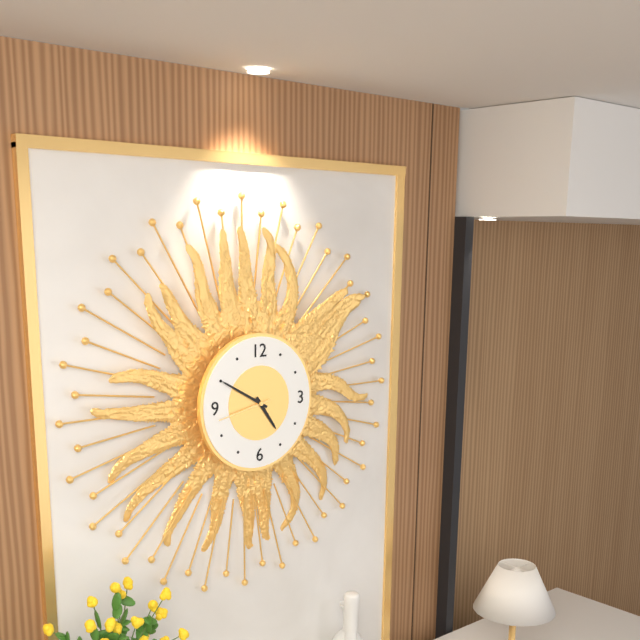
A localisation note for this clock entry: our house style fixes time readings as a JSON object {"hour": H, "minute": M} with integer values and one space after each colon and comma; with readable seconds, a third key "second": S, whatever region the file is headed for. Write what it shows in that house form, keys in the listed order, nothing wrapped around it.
{"hour": 4, "minute": 50, "second": 43}
